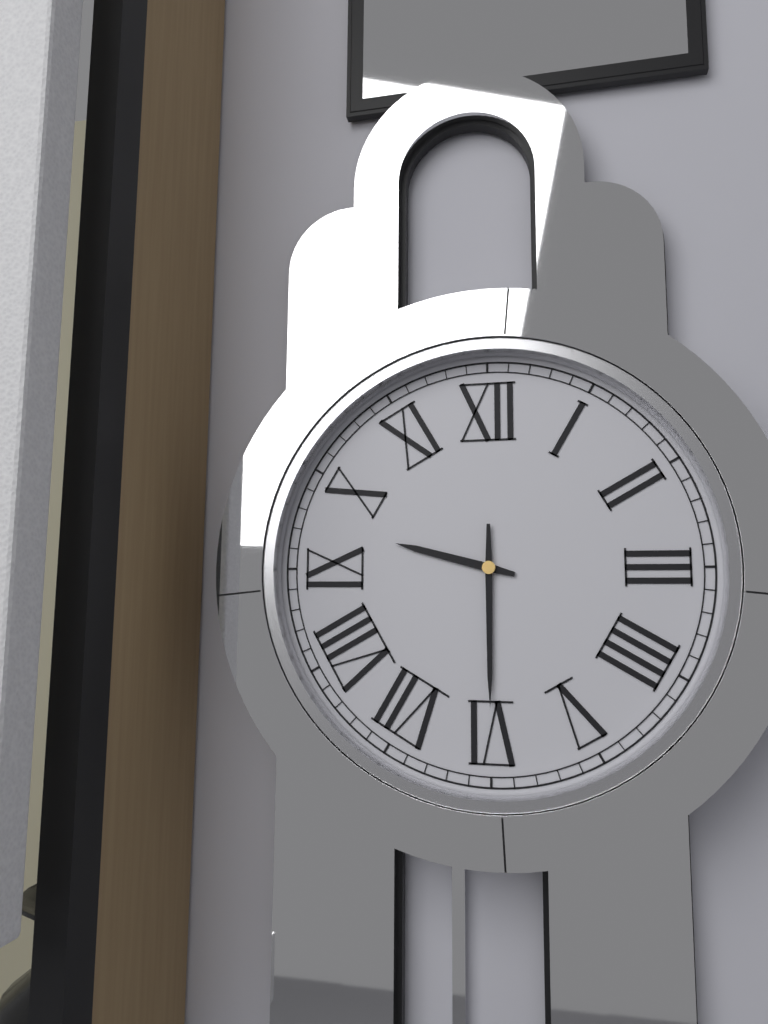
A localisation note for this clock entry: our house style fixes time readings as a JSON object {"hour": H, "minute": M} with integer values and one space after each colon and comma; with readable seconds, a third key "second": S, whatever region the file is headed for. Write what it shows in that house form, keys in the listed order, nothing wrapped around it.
{"hour": 9, "minute": 30}
